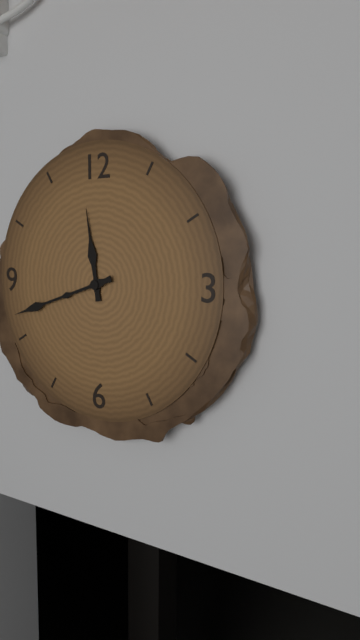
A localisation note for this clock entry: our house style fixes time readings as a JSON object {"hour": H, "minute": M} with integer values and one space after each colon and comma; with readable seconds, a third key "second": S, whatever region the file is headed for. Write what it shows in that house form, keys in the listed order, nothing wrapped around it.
{"hour": 11, "minute": 42}
